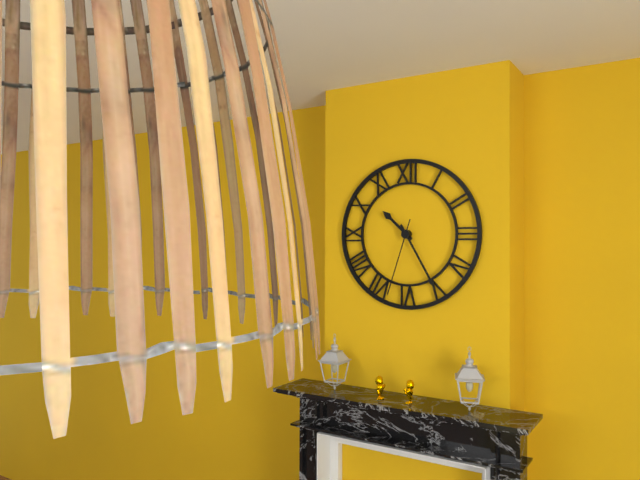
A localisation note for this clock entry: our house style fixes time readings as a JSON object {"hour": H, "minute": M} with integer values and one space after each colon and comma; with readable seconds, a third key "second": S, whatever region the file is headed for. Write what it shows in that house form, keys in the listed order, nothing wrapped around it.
{"hour": 10, "minute": 25, "second": 33}
